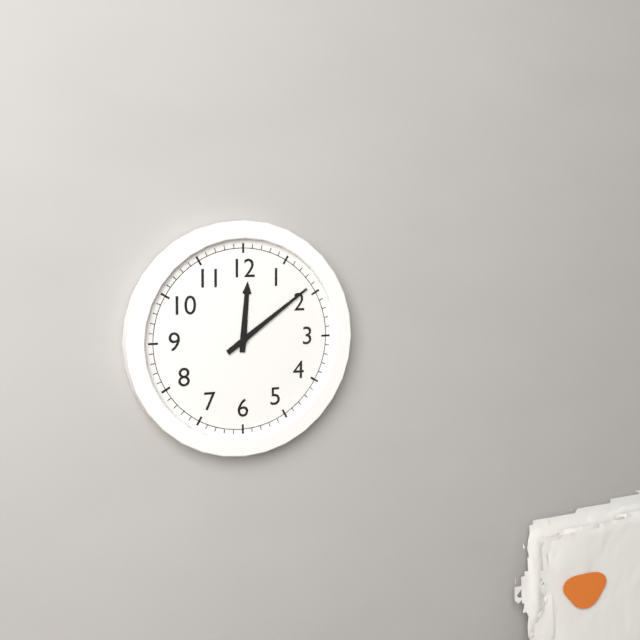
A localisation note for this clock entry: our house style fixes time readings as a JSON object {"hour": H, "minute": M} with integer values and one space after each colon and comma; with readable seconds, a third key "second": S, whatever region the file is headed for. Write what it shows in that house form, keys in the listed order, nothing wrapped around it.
{"hour": 12, "minute": 9}
